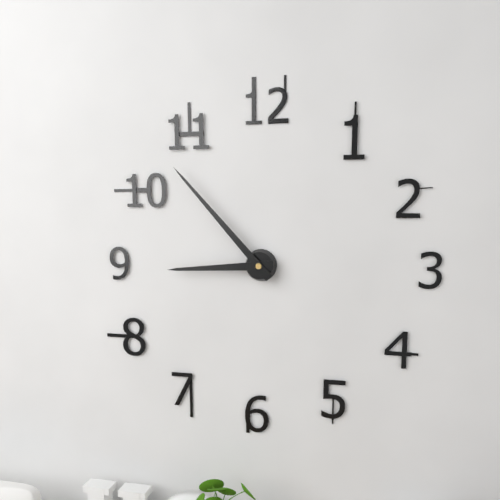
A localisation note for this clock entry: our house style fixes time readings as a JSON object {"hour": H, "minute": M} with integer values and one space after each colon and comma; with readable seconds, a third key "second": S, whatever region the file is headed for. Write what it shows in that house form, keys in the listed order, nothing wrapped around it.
{"hour": 8, "minute": 53}
